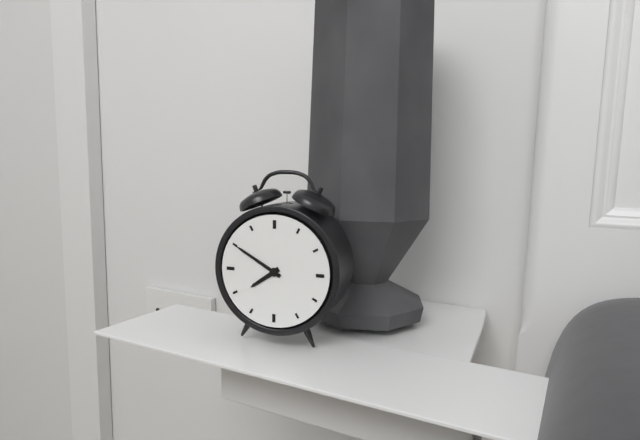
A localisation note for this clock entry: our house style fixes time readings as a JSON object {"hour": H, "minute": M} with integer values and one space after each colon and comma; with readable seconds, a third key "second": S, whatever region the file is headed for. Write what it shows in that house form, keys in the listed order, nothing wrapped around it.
{"hour": 7, "minute": 50}
